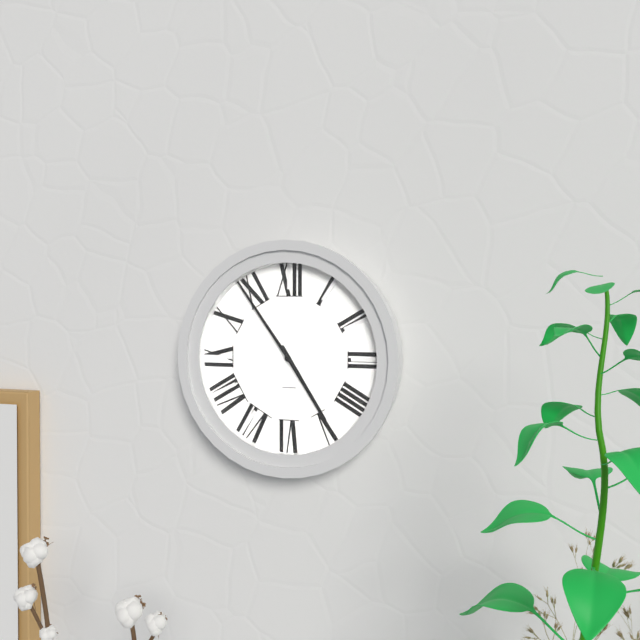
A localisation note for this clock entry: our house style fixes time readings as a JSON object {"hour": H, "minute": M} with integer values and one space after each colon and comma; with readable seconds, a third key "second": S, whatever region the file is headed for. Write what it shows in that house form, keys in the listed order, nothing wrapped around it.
{"hour": 4, "minute": 54}
